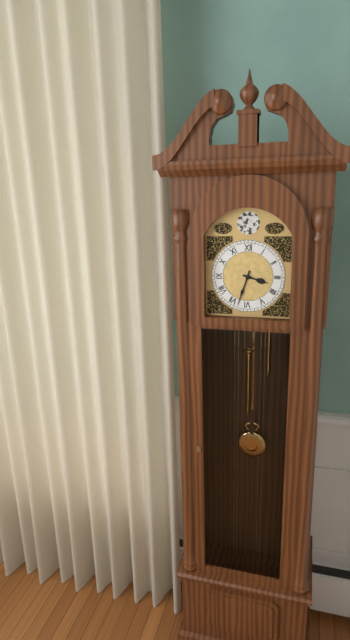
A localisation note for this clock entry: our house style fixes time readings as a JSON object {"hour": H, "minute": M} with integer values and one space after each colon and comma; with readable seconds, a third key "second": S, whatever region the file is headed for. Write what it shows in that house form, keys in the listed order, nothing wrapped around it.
{"hour": 3, "minute": 33}
